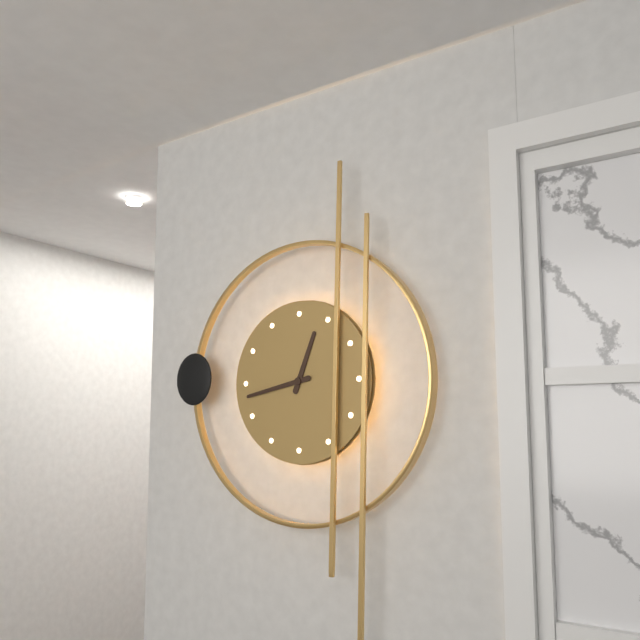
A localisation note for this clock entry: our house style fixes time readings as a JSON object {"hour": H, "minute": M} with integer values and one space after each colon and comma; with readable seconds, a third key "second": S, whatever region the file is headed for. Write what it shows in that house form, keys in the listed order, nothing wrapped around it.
{"hour": 12, "minute": 43}
